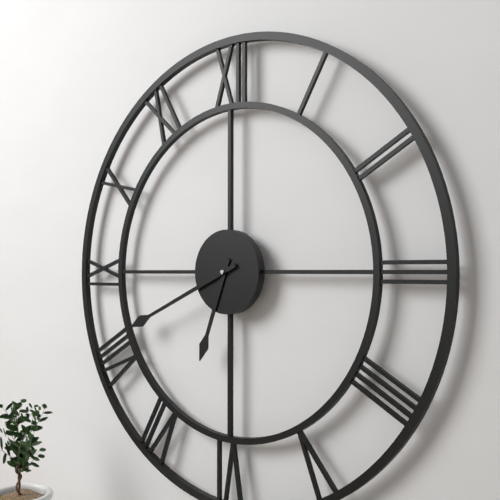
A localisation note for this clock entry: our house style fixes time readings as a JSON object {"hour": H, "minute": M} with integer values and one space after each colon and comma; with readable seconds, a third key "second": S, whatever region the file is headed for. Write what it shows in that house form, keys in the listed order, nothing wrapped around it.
{"hour": 6, "minute": 41}
